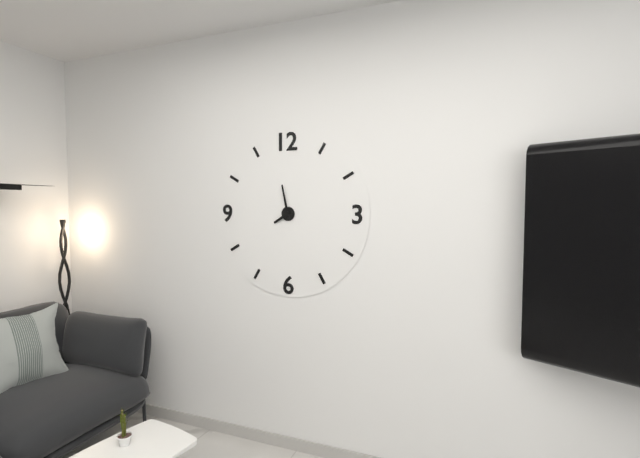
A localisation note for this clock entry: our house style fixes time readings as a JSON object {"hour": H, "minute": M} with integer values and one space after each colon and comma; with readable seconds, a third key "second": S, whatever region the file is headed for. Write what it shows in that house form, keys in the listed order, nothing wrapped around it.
{"hour": 7, "minute": 58}
